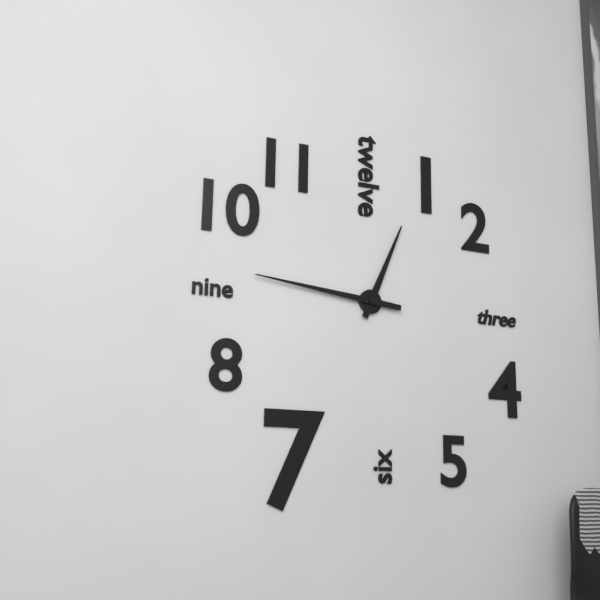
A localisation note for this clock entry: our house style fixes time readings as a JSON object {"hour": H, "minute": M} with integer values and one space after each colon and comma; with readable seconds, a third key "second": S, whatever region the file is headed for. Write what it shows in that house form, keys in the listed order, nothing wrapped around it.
{"hour": 12, "minute": 46}
